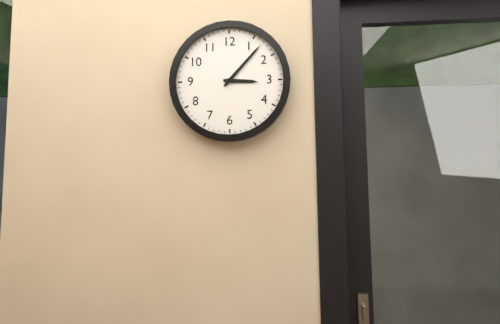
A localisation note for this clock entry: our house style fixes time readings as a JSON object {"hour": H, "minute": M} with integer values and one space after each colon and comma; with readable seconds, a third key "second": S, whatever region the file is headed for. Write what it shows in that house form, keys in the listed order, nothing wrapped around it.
{"hour": 3, "minute": 7}
